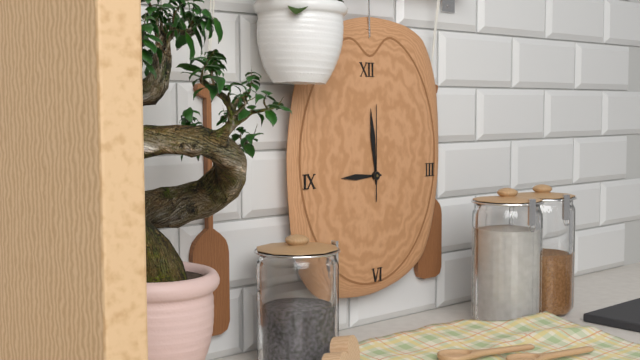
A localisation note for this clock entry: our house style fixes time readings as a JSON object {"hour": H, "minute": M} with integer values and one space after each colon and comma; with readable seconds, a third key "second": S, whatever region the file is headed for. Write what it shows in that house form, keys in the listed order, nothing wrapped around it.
{"hour": 8, "minute": 59, "second": 0}
